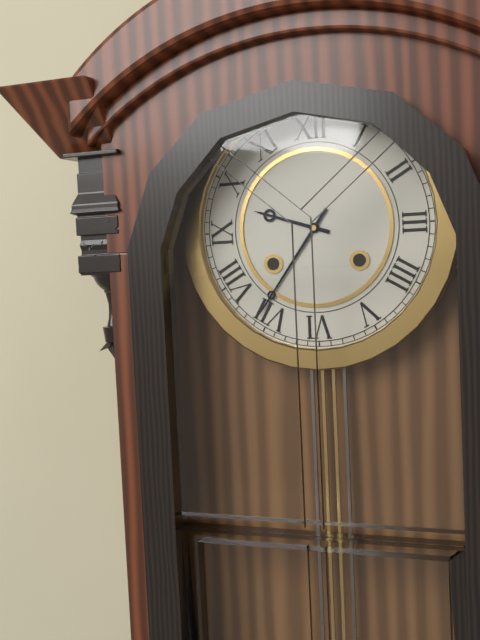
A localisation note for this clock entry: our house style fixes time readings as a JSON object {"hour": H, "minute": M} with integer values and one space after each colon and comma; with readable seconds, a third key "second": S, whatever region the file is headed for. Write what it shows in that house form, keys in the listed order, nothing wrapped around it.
{"hour": 9, "minute": 36}
